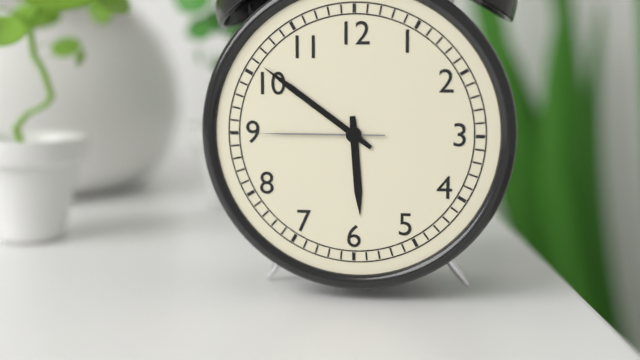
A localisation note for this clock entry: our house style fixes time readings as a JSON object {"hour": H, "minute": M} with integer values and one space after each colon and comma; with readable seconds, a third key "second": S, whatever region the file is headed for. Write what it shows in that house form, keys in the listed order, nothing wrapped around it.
{"hour": 5, "minute": 51, "second": 45}
